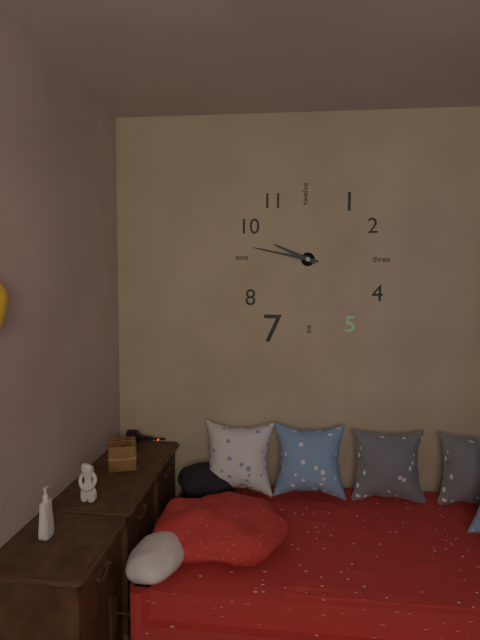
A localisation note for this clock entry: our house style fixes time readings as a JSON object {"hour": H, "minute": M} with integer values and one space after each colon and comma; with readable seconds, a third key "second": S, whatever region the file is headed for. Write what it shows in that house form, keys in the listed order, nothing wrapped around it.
{"hour": 9, "minute": 47}
